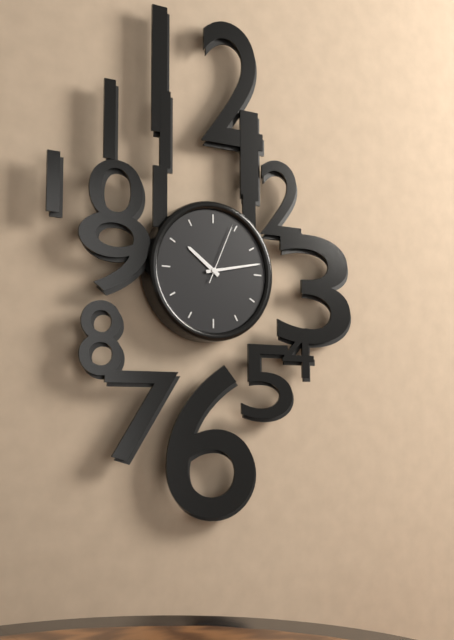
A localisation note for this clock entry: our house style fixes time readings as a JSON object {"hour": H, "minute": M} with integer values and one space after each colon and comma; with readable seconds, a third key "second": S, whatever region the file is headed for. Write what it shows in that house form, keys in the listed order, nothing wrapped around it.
{"hour": 10, "minute": 13, "second": 4}
